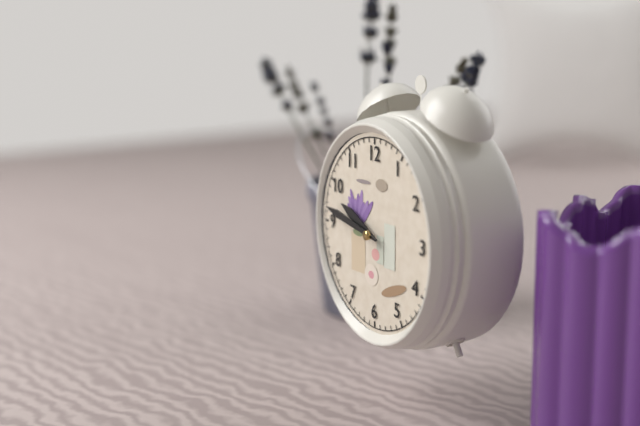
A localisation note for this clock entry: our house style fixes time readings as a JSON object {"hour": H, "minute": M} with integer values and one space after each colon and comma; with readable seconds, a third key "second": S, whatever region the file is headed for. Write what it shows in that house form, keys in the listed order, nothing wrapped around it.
{"hour": 9, "minute": 47}
